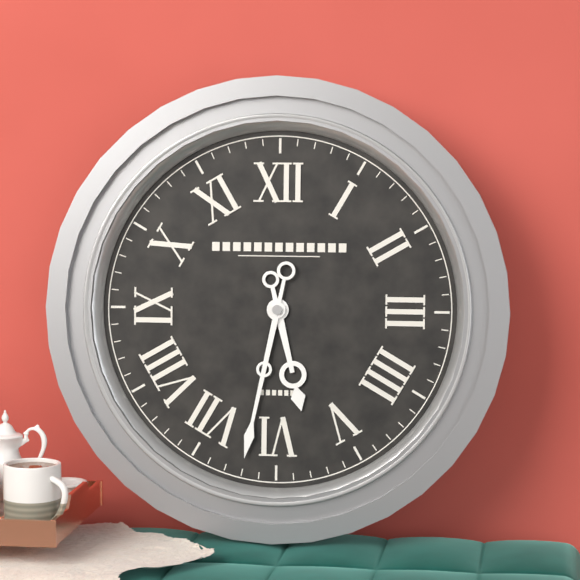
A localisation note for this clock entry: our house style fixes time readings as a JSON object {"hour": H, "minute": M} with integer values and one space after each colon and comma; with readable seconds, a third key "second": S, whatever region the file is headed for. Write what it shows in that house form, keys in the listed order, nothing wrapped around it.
{"hour": 5, "minute": 32}
